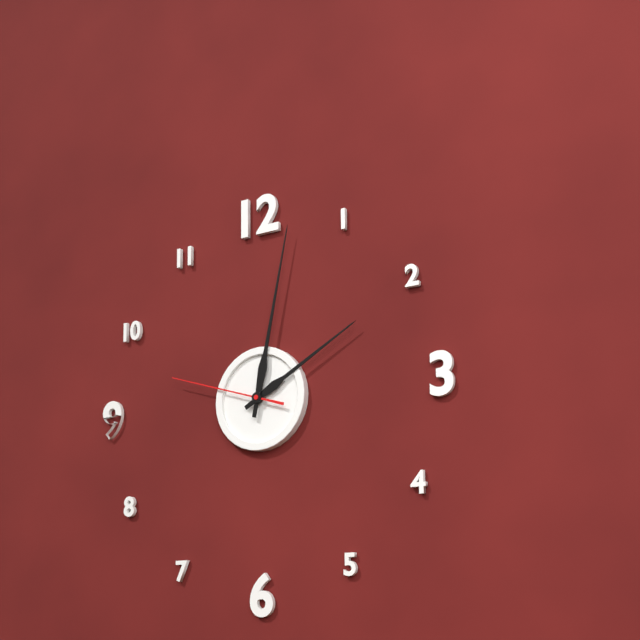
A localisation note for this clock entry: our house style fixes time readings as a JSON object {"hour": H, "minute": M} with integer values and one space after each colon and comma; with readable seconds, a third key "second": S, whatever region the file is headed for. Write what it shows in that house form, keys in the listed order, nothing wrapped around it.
{"hour": 2, "minute": 2, "second": 48}
